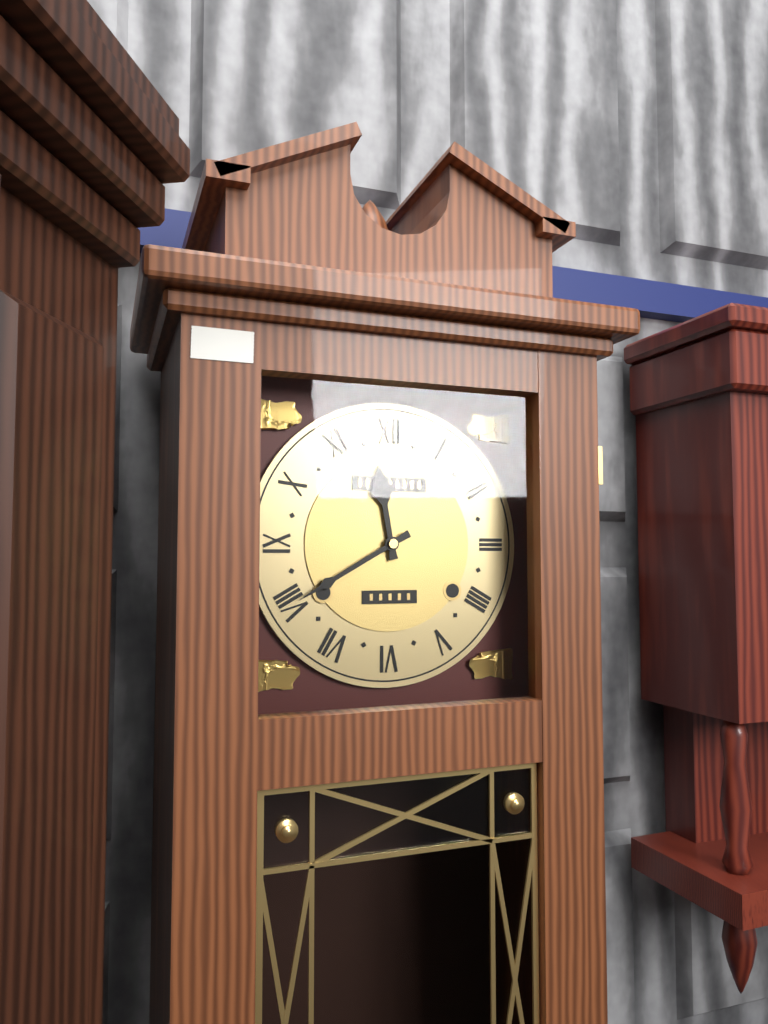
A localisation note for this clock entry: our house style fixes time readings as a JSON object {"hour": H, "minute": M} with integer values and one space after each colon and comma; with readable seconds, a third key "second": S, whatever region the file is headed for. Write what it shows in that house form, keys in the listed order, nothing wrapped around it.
{"hour": 11, "minute": 40}
